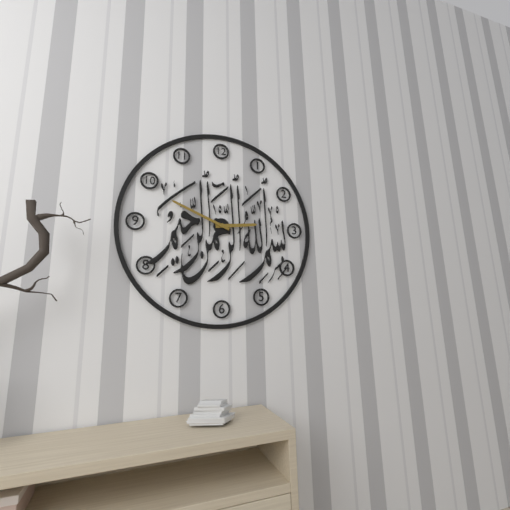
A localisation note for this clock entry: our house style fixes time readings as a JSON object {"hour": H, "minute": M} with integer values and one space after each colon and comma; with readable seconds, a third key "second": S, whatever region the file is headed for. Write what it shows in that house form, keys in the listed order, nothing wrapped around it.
{"hour": 2, "minute": 49}
